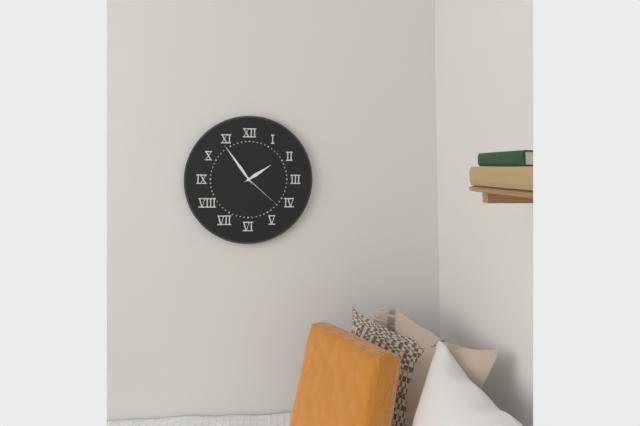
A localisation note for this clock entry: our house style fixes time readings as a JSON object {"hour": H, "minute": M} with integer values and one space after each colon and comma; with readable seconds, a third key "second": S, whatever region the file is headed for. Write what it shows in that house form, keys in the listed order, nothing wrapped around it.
{"hour": 1, "minute": 54}
